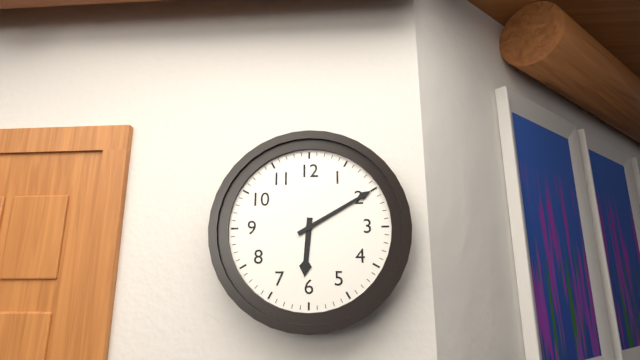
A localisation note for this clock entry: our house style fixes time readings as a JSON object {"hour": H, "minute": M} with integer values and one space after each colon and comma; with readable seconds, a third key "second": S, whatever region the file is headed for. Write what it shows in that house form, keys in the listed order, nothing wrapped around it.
{"hour": 6, "minute": 10}
